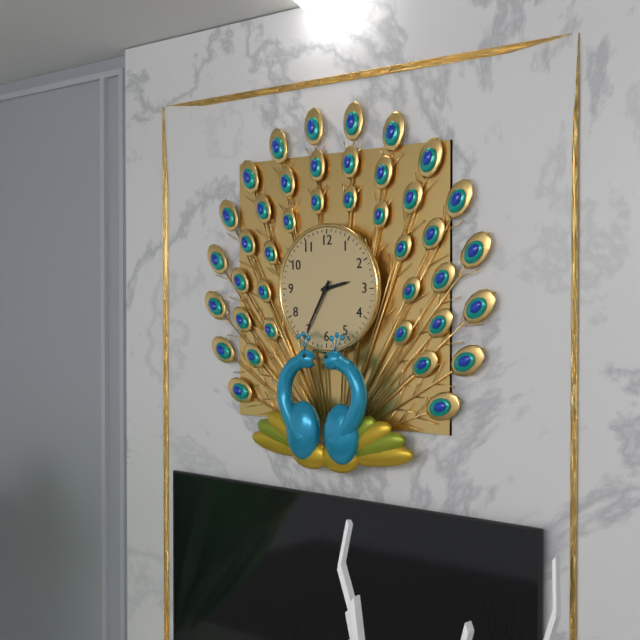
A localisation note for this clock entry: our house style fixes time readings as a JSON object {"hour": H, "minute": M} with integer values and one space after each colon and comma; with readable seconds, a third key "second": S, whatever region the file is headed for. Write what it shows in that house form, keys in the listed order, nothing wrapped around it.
{"hour": 2, "minute": 35}
